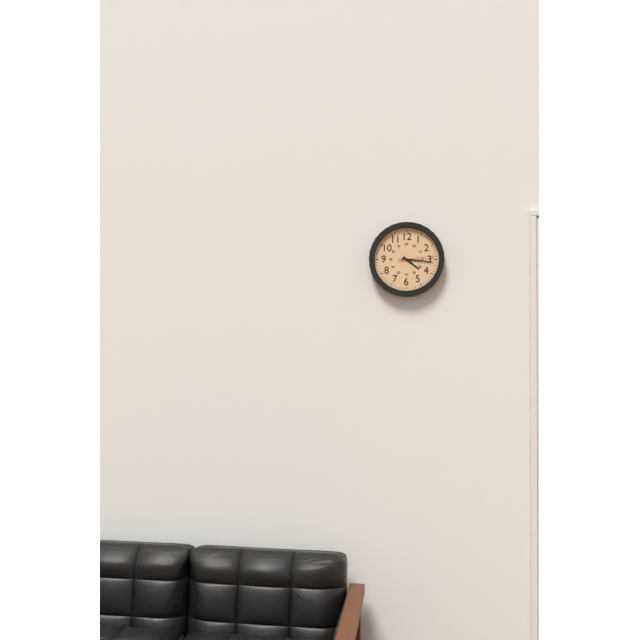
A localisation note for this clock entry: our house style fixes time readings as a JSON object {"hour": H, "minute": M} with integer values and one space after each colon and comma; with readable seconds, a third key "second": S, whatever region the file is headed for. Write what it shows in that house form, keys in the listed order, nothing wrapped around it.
{"hour": 4, "minute": 16}
